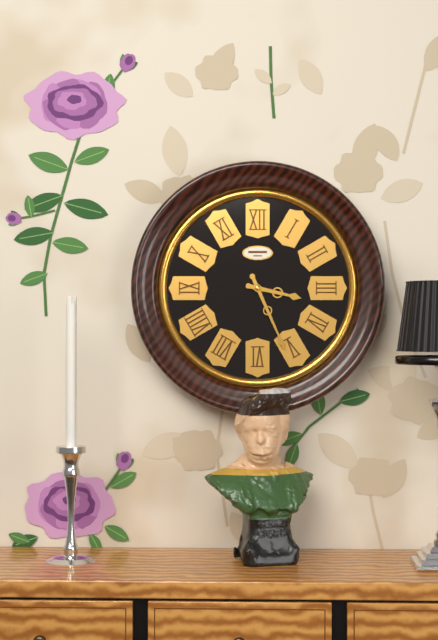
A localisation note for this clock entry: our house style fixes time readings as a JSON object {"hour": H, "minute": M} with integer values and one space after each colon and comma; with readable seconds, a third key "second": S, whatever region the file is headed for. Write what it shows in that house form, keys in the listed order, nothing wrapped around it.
{"hour": 3, "minute": 26}
